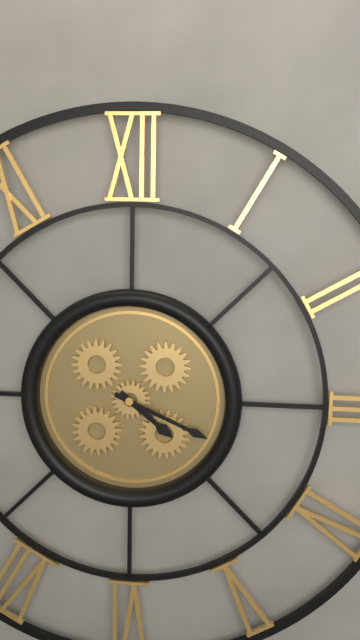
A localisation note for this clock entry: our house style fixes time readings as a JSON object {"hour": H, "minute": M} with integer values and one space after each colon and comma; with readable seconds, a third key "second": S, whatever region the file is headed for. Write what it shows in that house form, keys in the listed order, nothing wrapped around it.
{"hour": 4, "minute": 19}
